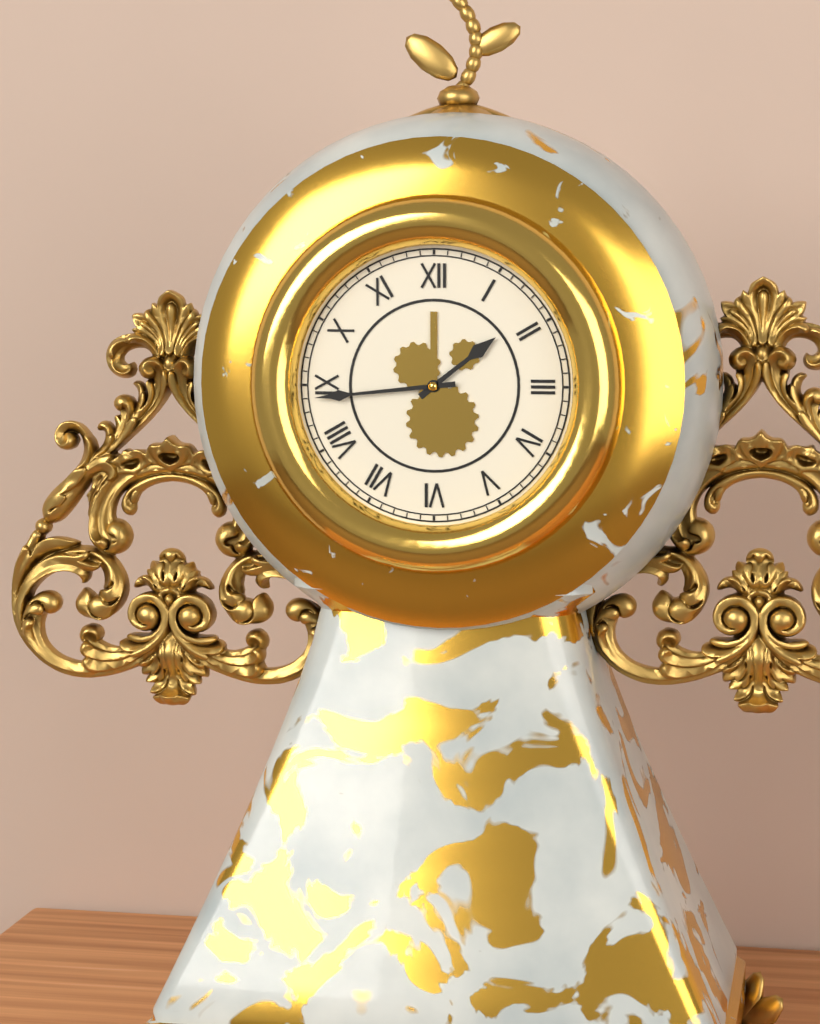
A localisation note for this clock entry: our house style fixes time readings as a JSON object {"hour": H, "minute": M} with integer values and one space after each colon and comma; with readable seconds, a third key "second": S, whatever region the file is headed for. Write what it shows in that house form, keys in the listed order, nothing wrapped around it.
{"hour": 1, "minute": 44}
